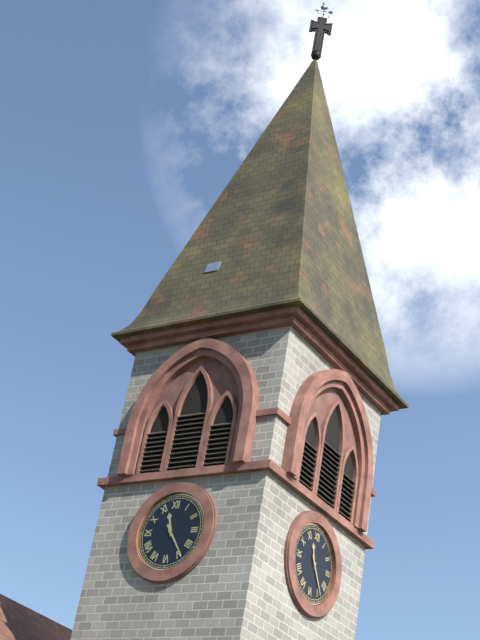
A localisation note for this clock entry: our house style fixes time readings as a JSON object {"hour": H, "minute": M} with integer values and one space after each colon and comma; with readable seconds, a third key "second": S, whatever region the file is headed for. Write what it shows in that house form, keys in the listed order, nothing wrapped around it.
{"hour": 11, "minute": 24}
